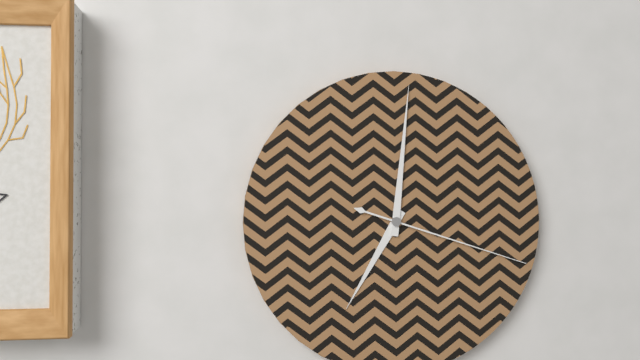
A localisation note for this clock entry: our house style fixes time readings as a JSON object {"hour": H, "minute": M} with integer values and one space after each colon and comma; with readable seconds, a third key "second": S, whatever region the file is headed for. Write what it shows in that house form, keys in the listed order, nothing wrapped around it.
{"hour": 7, "minute": 1, "second": 18}
